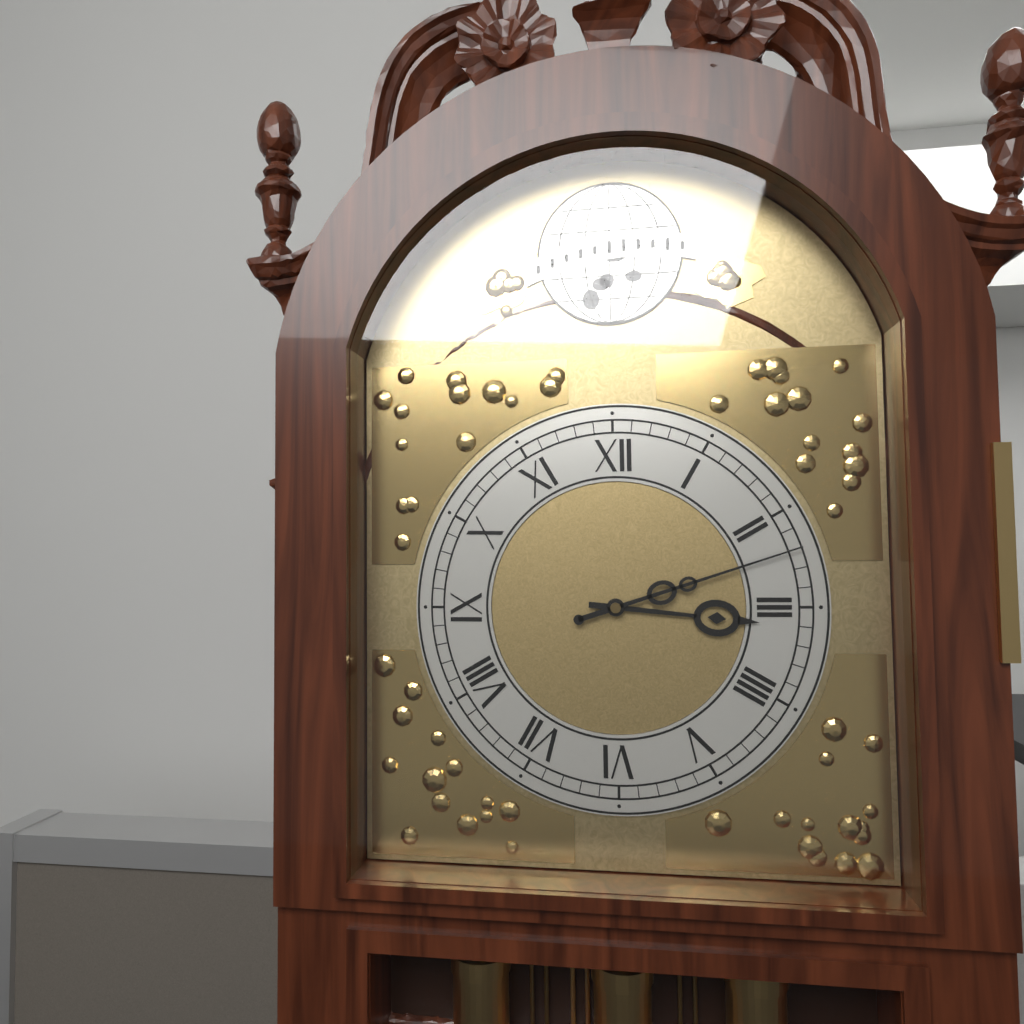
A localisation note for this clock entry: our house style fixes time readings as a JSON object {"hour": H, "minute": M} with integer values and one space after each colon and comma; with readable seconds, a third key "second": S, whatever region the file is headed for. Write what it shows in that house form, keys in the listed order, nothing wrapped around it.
{"hour": 3, "minute": 12}
